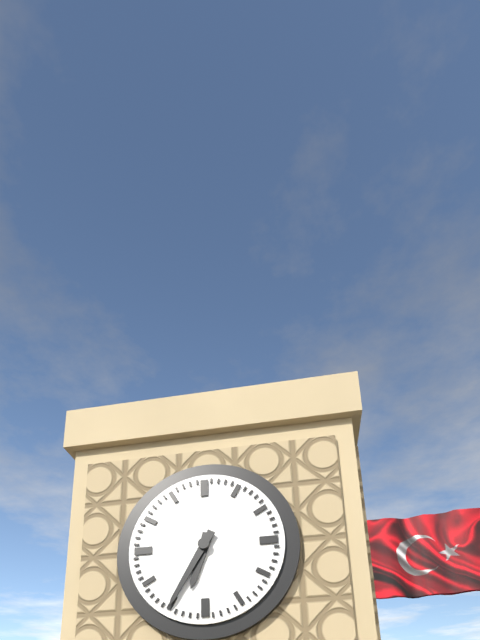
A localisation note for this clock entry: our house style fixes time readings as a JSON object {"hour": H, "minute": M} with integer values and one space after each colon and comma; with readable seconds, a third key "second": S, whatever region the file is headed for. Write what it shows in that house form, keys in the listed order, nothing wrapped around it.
{"hour": 6, "minute": 35}
